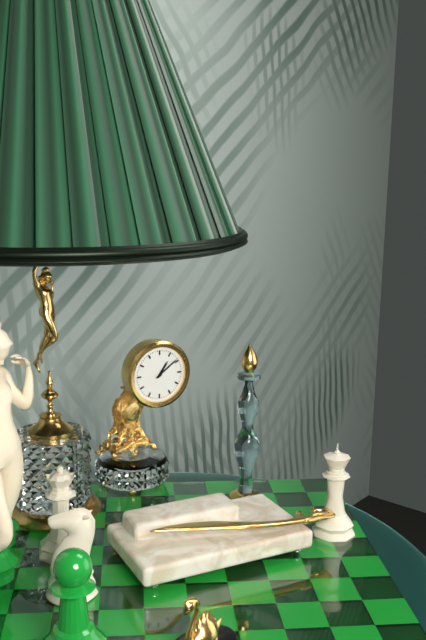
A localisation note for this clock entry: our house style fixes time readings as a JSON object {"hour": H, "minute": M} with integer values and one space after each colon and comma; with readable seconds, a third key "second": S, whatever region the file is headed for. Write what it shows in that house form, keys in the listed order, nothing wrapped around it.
{"hour": 1, "minute": 9}
